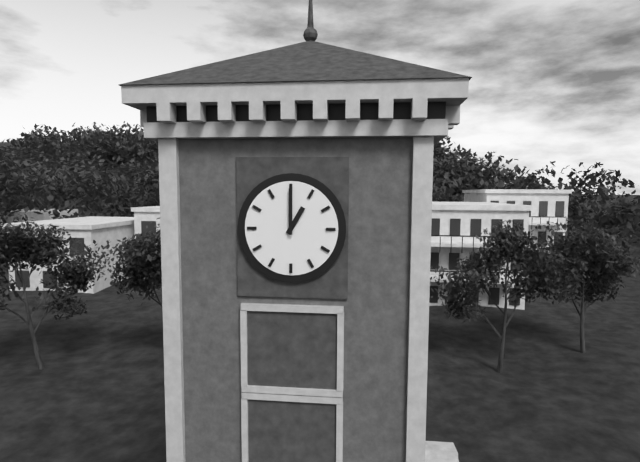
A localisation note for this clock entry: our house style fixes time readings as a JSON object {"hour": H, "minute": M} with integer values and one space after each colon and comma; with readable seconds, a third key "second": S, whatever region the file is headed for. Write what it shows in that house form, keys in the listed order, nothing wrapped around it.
{"hour": 1, "minute": 0}
